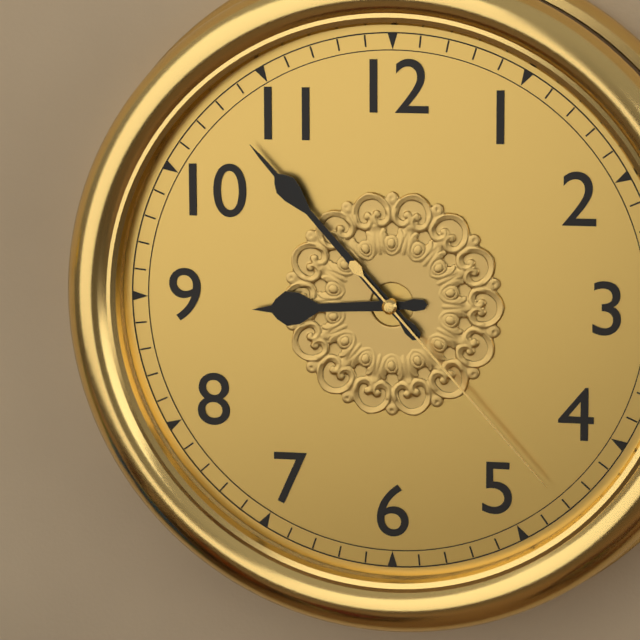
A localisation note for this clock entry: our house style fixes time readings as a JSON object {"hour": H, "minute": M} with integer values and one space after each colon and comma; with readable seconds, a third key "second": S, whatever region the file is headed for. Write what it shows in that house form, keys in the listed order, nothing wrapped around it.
{"hour": 8, "minute": 53, "second": 23}
